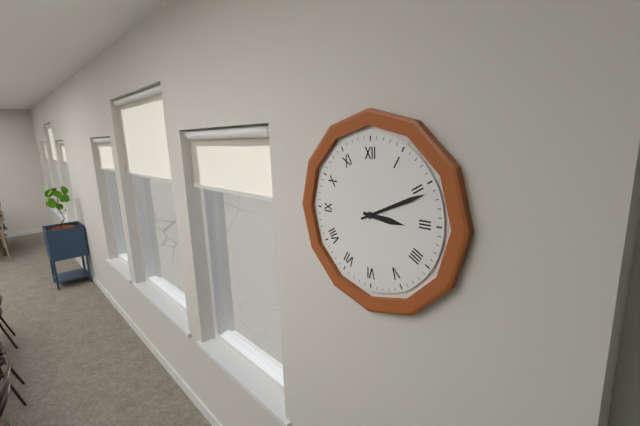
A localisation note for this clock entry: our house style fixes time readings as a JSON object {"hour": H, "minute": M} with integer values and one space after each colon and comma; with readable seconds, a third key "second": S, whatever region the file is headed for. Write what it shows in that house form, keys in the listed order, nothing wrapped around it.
{"hour": 3, "minute": 11}
